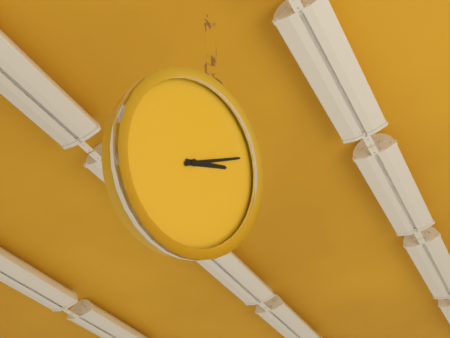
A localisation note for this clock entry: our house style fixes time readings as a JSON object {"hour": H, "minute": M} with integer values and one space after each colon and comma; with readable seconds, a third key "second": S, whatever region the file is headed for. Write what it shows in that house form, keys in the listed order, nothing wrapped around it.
{"hour": 2, "minute": 9}
